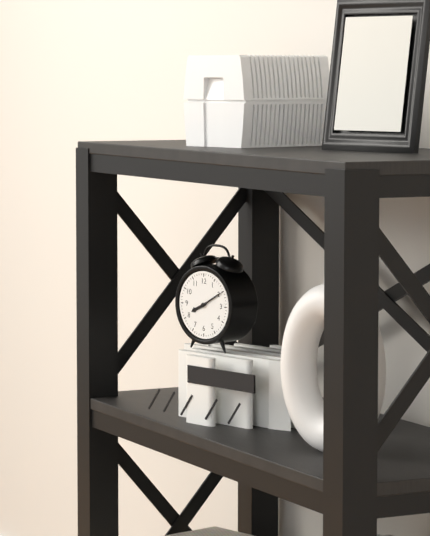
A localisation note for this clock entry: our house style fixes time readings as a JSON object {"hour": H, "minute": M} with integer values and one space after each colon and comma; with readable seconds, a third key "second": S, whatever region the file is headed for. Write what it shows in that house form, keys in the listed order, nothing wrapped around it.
{"hour": 8, "minute": 10}
